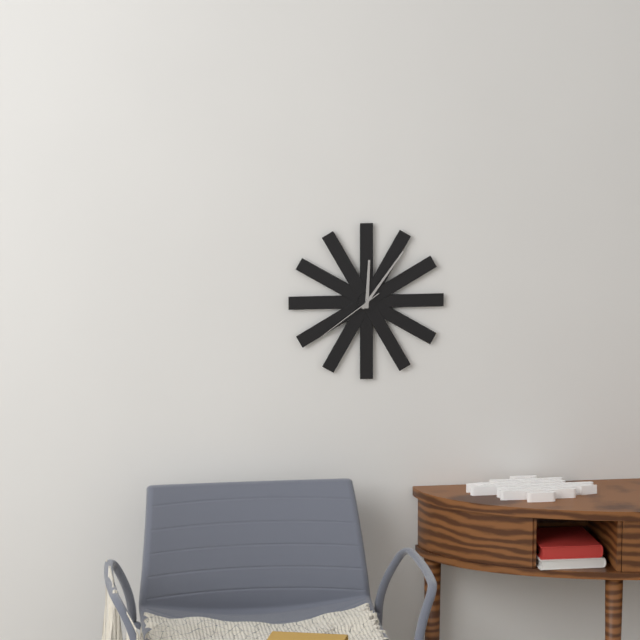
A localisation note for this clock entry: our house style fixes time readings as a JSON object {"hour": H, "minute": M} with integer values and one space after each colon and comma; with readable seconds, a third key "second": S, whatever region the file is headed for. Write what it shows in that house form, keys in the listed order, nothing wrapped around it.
{"hour": 12, "minute": 6, "second": 39}
